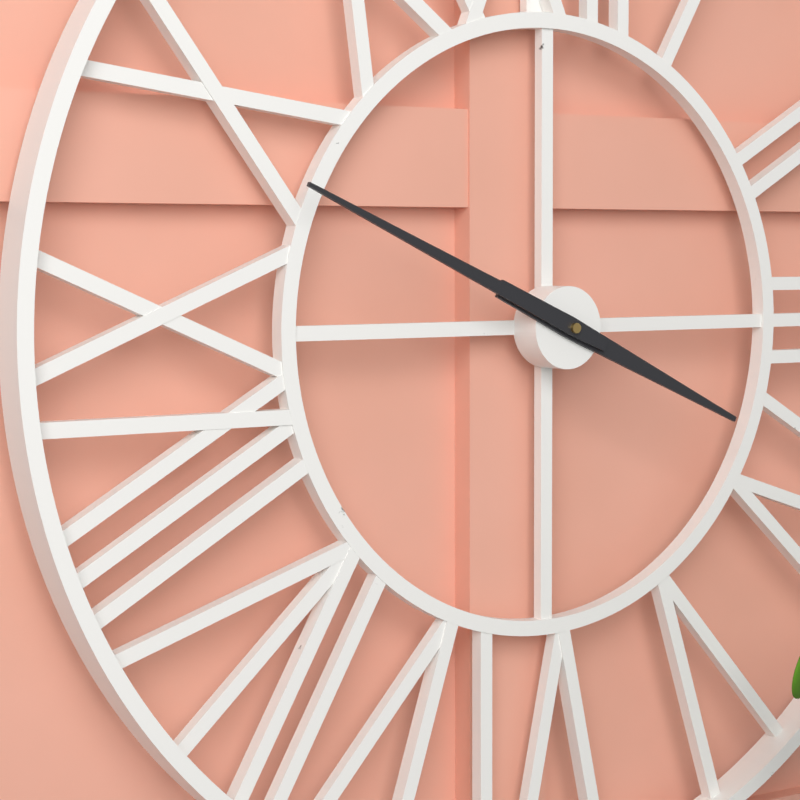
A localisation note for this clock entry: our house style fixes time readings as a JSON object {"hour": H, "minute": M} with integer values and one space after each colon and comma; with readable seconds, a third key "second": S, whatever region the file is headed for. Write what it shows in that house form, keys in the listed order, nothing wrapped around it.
{"hour": 3, "minute": 49}
